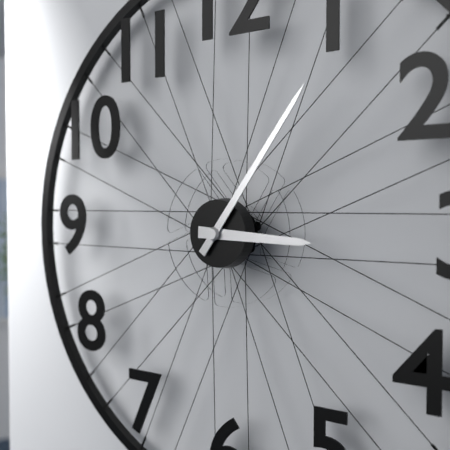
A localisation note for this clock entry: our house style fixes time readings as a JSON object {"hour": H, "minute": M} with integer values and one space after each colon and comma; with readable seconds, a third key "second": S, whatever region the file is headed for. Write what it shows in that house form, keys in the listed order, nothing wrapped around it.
{"hour": 3, "minute": 6}
